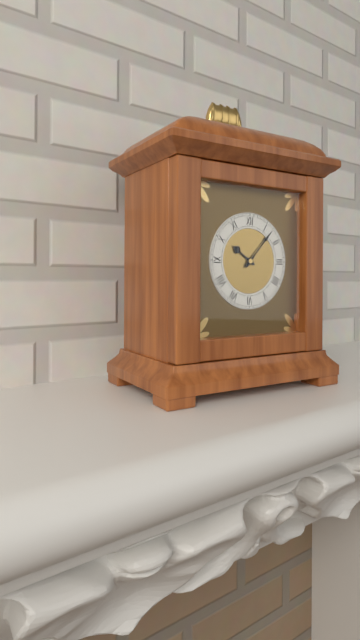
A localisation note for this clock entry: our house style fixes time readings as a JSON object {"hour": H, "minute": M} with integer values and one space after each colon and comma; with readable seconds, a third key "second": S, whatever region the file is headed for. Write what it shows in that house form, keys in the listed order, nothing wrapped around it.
{"hour": 10, "minute": 7}
